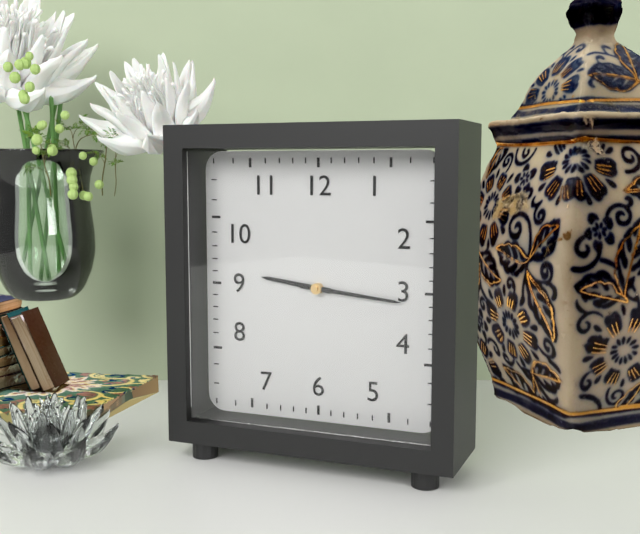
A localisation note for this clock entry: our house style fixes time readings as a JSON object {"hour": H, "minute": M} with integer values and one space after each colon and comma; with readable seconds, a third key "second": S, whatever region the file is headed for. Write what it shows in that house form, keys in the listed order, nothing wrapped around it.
{"hour": 9, "minute": 16}
